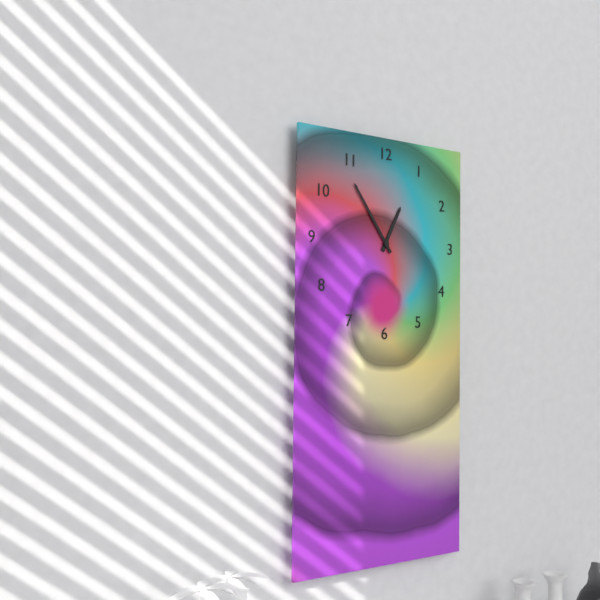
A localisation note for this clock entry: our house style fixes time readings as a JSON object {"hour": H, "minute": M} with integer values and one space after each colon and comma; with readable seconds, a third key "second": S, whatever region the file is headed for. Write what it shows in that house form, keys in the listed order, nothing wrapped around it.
{"hour": 12, "minute": 54}
